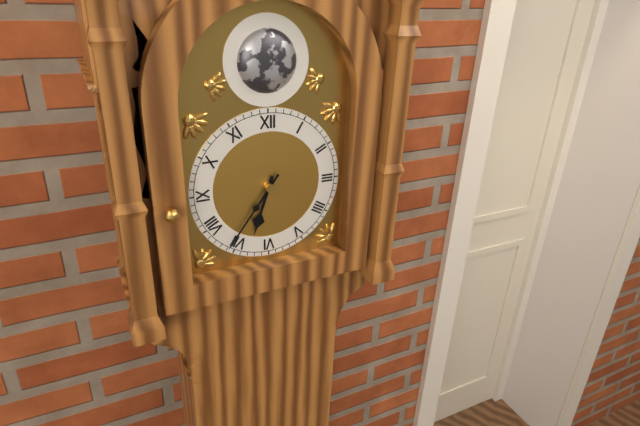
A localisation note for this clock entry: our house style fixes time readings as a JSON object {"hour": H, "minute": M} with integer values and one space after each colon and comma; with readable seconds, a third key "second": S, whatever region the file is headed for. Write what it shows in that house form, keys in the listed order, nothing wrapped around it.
{"hour": 6, "minute": 36}
